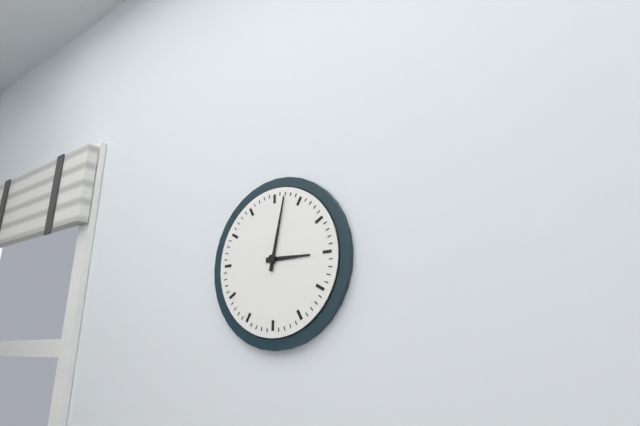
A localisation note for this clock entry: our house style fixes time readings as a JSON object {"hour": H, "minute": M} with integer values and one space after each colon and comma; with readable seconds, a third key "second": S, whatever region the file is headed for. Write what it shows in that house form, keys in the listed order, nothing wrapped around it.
{"hour": 3, "minute": 2}
